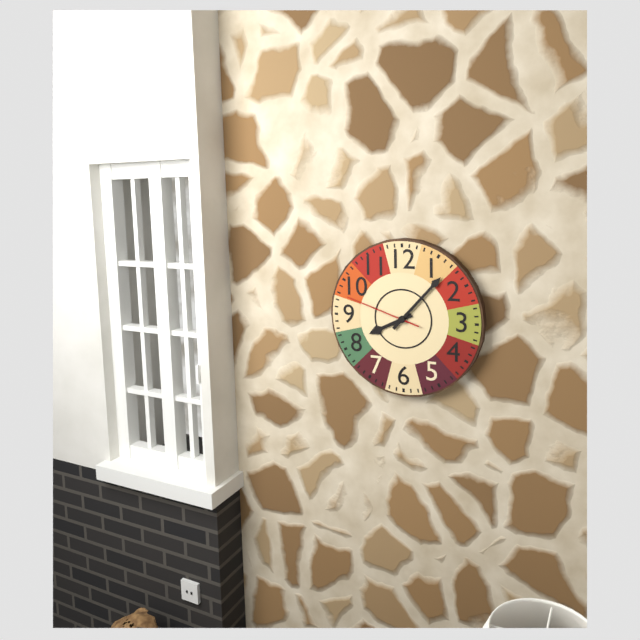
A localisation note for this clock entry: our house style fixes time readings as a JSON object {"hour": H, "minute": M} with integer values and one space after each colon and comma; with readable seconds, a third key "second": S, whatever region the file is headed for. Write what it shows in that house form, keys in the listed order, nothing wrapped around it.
{"hour": 8, "minute": 7, "second": 48}
